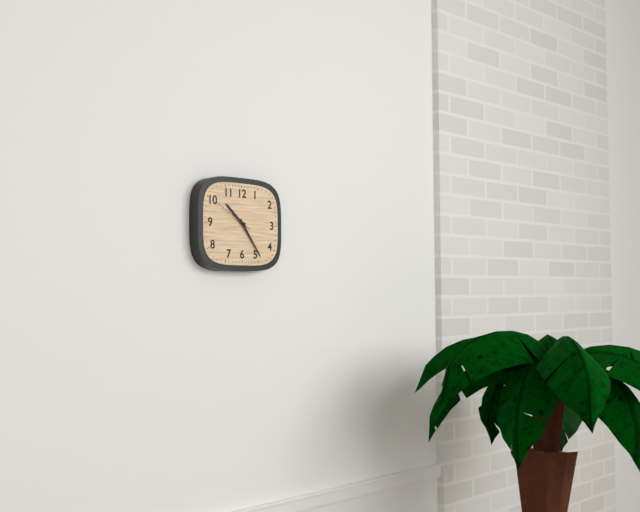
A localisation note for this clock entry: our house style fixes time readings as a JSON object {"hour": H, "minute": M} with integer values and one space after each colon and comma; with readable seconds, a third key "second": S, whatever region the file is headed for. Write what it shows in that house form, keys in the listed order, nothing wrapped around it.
{"hour": 10, "minute": 24}
